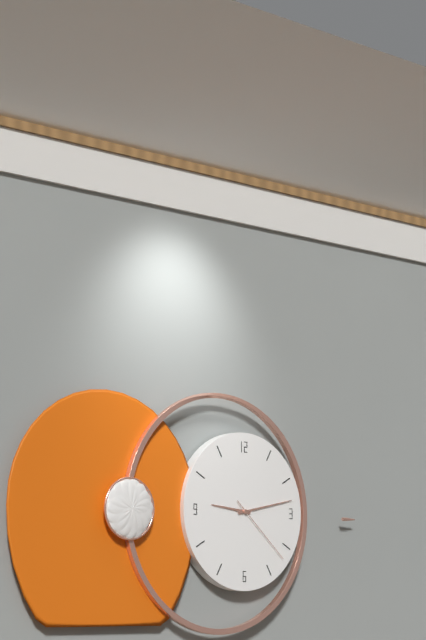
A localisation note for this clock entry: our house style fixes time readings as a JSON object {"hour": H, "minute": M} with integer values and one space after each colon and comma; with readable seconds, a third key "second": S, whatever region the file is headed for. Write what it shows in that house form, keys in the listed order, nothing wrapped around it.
{"hour": 9, "minute": 13, "second": 22}
